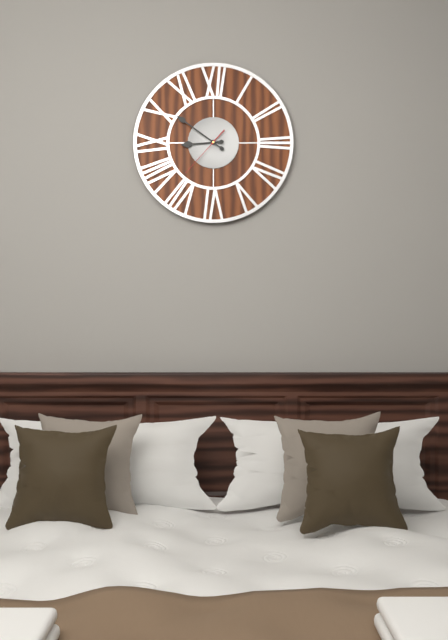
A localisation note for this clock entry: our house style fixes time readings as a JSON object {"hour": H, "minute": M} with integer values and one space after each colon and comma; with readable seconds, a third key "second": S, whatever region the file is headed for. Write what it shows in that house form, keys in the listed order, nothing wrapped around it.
{"hour": 8, "minute": 51, "second": 37}
